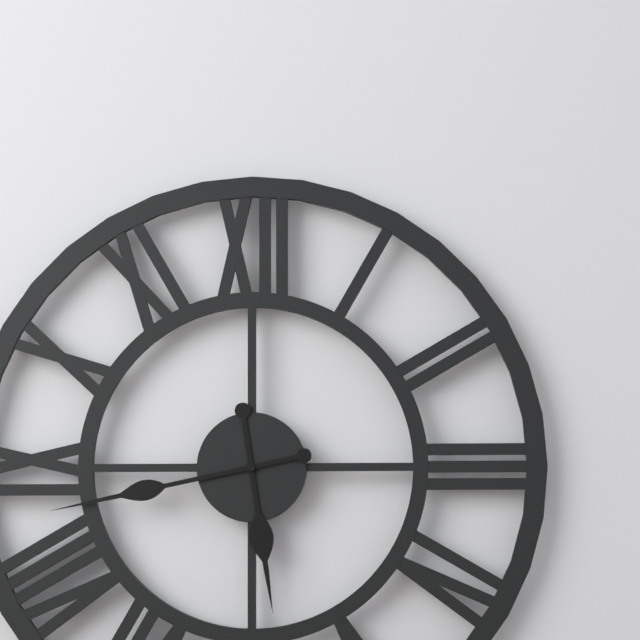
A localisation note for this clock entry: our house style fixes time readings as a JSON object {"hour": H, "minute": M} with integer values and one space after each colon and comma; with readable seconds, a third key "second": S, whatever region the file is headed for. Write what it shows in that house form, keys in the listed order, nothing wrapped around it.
{"hour": 5, "minute": 43}
